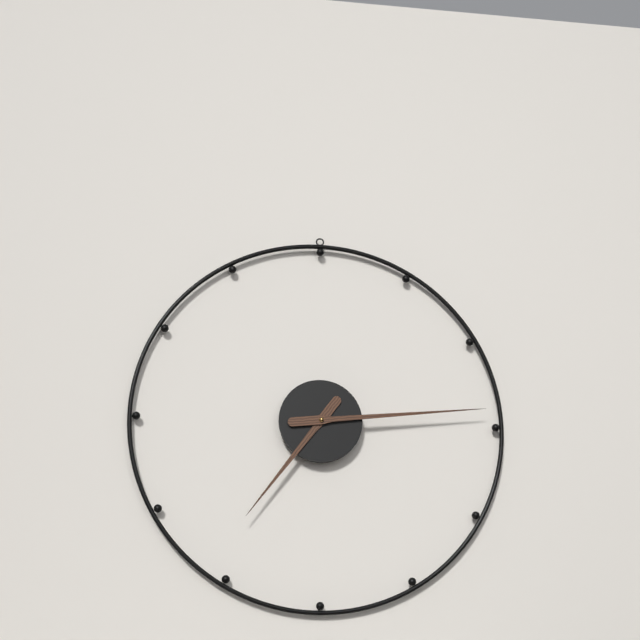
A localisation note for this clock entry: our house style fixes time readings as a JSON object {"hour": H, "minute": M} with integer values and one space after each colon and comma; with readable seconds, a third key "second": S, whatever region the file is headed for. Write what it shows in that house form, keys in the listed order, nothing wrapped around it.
{"hour": 7, "minute": 14}
